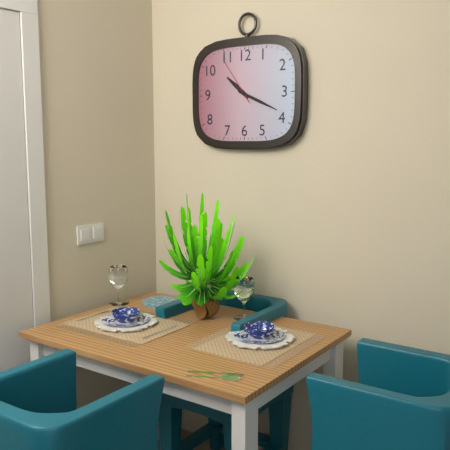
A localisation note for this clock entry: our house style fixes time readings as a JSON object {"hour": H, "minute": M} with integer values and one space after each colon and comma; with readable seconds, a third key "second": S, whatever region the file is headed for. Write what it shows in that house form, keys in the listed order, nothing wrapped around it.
{"hour": 10, "minute": 19, "second": 54}
